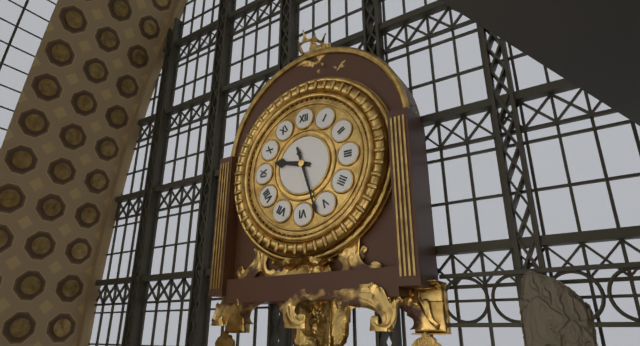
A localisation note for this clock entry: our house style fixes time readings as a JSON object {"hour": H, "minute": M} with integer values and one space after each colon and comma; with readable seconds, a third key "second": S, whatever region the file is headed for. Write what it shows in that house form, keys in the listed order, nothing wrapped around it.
{"hour": 9, "minute": 27}
